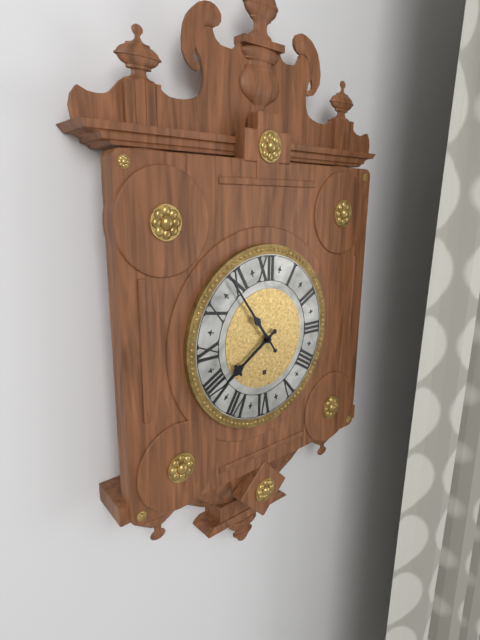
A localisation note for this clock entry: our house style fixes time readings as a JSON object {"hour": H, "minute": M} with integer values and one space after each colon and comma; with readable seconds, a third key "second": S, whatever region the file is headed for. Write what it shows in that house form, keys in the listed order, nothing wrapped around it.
{"hour": 7, "minute": 54}
